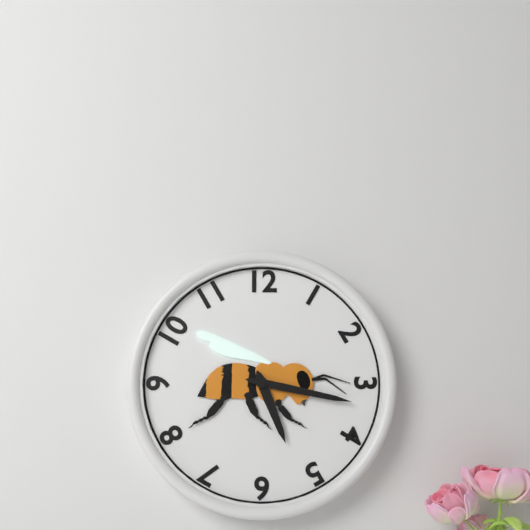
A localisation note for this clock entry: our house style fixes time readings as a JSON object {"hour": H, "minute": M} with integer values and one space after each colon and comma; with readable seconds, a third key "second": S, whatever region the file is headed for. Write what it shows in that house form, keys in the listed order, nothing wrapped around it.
{"hour": 5, "minute": 17}
